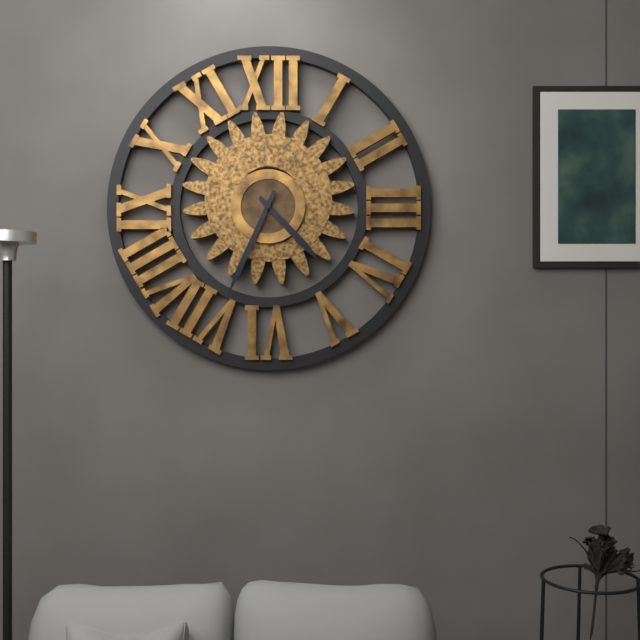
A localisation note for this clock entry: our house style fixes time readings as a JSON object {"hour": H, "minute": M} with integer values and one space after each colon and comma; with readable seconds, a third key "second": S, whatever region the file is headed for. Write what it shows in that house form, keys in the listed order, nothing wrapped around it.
{"hour": 4, "minute": 34}
